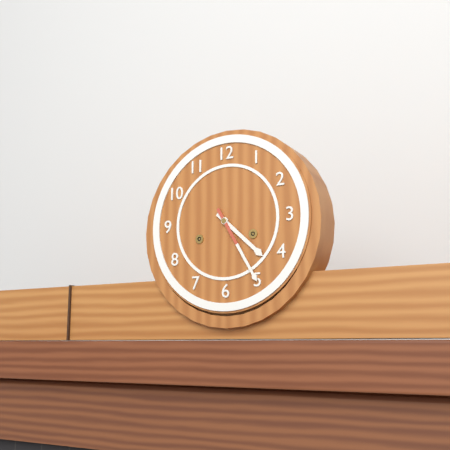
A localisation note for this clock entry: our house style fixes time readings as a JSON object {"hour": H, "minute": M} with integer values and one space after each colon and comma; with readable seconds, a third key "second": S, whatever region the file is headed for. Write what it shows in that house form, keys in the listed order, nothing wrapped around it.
{"hour": 4, "minute": 25}
